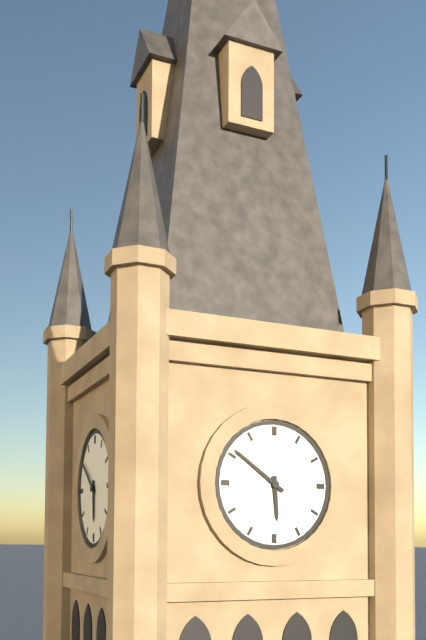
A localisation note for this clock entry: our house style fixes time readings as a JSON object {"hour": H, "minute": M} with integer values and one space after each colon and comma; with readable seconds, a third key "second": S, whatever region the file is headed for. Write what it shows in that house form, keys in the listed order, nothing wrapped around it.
{"hour": 5, "minute": 51}
